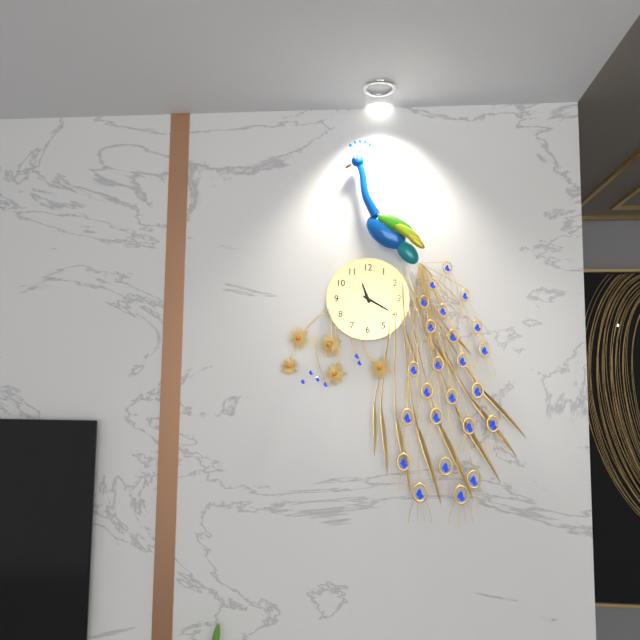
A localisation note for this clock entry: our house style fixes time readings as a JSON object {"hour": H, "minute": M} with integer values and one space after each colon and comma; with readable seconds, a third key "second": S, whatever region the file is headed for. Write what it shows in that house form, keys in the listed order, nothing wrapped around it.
{"hour": 11, "minute": 20}
